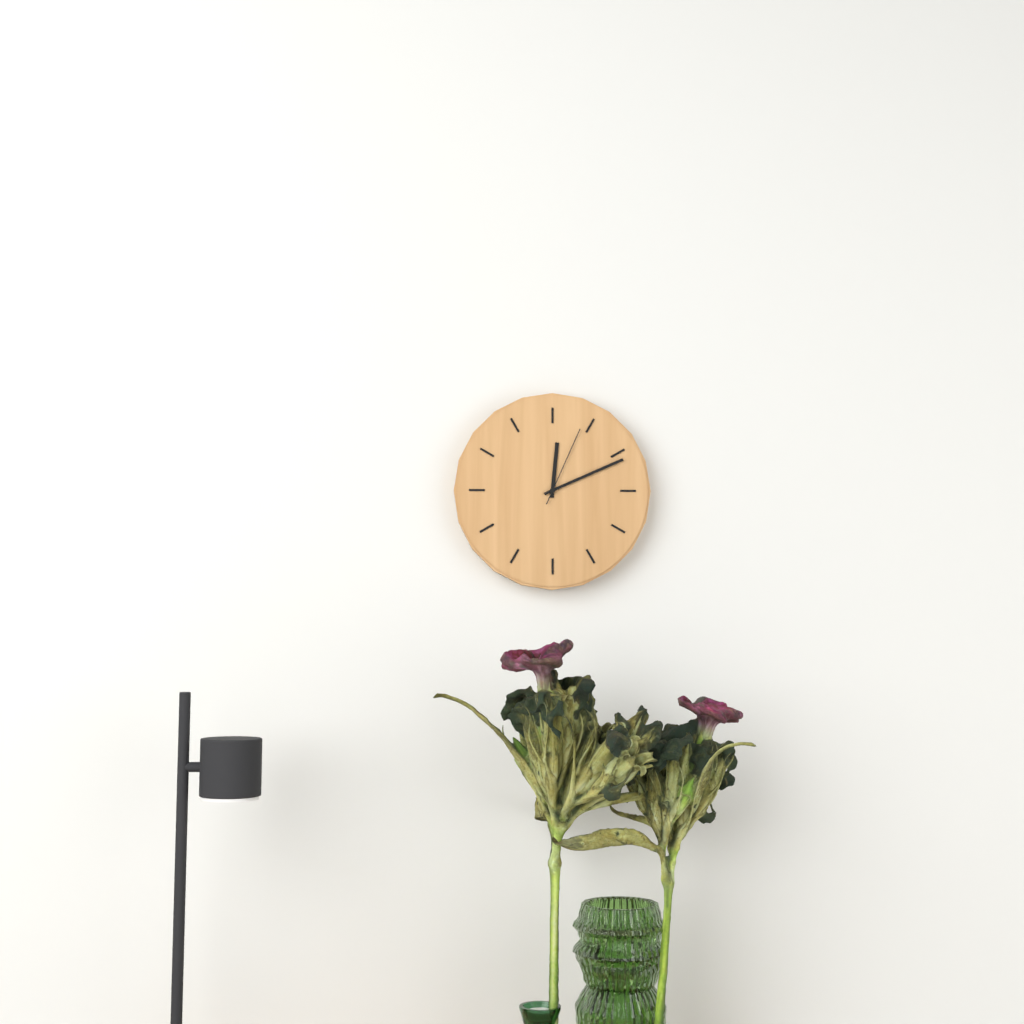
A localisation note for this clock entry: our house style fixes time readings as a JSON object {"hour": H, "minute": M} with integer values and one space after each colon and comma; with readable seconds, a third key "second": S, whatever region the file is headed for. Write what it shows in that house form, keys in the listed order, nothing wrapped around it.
{"hour": 12, "minute": 11, "second": 4}
